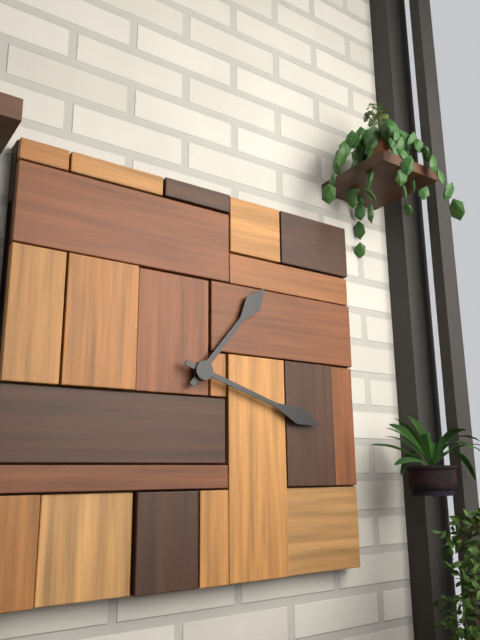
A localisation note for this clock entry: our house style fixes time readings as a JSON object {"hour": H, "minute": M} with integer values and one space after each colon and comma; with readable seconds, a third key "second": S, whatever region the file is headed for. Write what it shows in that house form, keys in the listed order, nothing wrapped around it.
{"hour": 1, "minute": 18}
